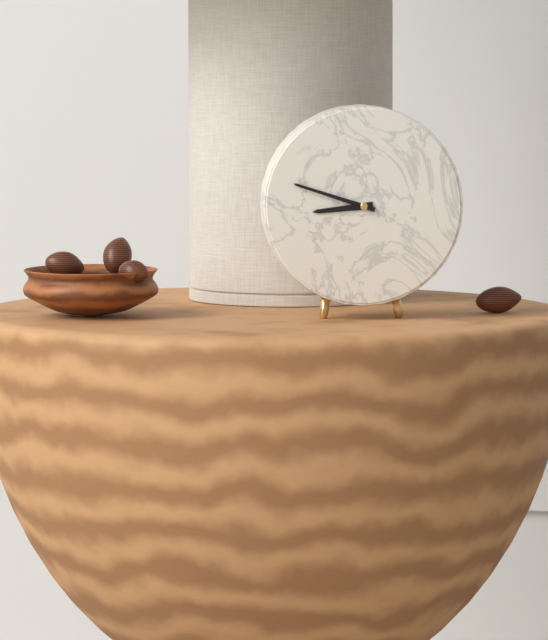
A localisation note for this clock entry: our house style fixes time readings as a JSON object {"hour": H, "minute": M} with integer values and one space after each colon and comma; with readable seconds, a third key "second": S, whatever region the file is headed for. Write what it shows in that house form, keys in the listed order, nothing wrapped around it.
{"hour": 8, "minute": 48}
